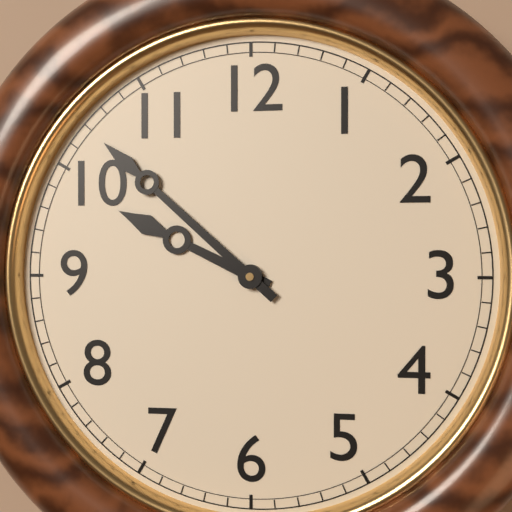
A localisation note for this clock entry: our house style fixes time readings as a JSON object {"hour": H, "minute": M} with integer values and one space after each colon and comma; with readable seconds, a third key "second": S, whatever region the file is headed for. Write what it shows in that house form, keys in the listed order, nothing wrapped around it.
{"hour": 9, "minute": 52}
